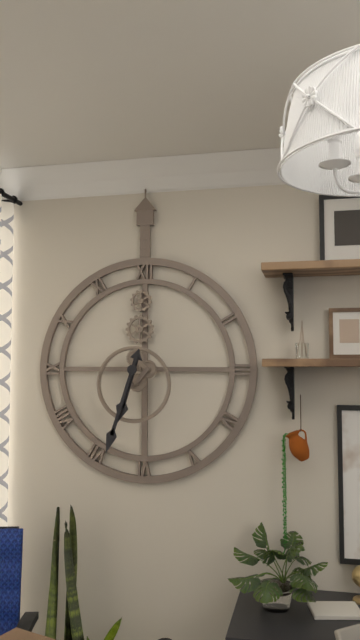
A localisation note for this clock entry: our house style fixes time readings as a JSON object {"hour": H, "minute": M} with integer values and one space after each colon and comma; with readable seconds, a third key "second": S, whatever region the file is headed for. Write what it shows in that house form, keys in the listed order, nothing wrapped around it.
{"hour": 6, "minute": 33}
